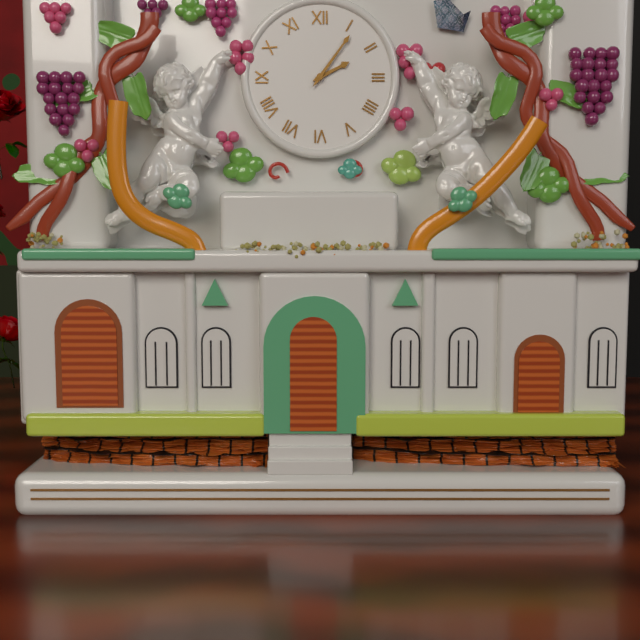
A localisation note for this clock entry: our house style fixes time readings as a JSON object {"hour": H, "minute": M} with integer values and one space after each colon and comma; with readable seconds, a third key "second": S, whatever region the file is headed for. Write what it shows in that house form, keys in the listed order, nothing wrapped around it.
{"hour": 2, "minute": 6}
